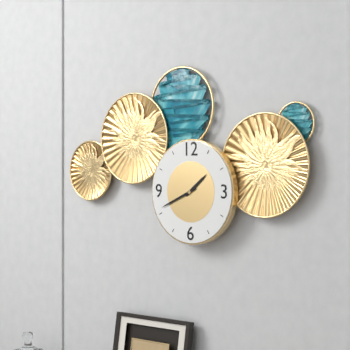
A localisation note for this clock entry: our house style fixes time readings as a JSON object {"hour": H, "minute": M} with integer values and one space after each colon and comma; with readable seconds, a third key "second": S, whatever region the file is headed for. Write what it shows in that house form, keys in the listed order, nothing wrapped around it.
{"hour": 1, "minute": 41}
